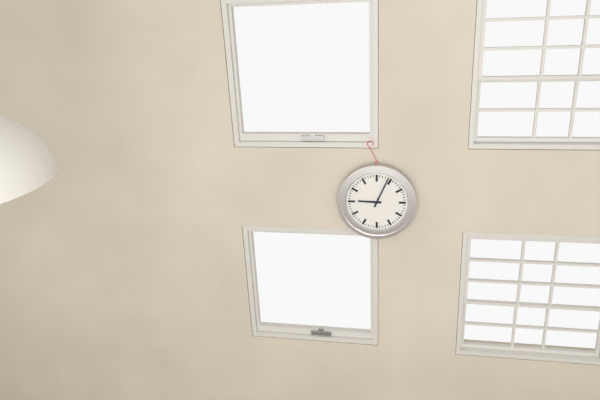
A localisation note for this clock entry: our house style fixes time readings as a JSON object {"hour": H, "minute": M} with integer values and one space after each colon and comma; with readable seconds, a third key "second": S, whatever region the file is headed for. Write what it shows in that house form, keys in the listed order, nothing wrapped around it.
{"hour": 9, "minute": 4}
